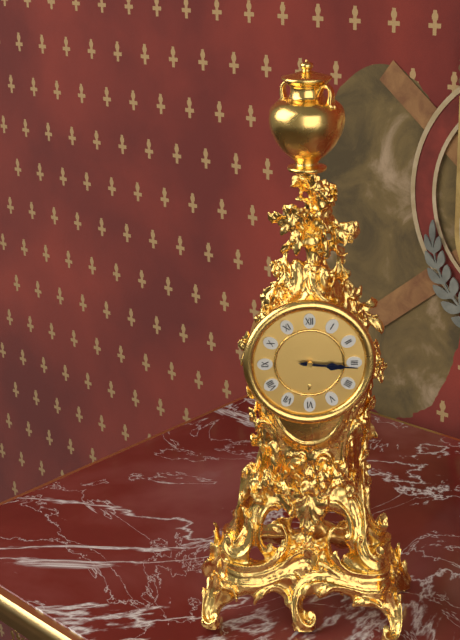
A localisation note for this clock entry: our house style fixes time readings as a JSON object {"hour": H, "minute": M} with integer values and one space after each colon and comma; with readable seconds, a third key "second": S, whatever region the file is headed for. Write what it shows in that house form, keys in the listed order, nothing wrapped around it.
{"hour": 3, "minute": 16}
